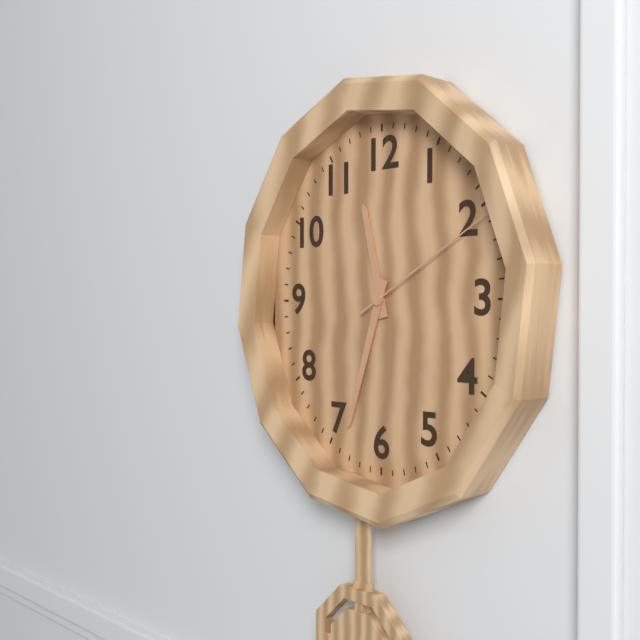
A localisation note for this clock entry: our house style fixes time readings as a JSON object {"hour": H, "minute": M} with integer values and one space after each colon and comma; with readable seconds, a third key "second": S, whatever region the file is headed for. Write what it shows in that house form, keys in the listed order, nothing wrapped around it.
{"hour": 11, "minute": 33, "second": 10}
